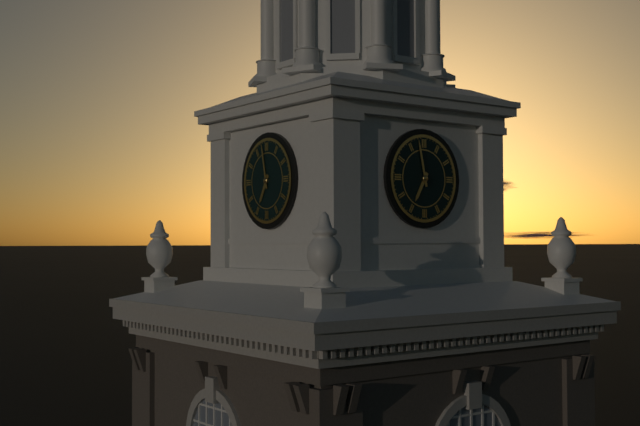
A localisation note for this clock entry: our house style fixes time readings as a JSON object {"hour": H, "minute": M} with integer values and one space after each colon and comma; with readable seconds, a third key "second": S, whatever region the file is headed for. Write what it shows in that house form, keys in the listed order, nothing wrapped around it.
{"hour": 6, "minute": 58}
